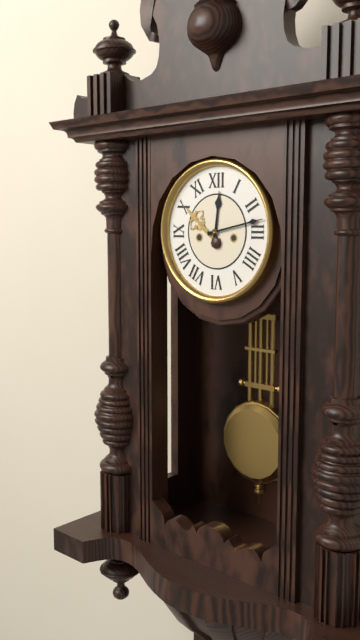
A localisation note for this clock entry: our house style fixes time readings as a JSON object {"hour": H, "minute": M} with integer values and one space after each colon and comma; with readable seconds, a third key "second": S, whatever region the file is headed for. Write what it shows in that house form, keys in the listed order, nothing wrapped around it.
{"hour": 12, "minute": 13}
